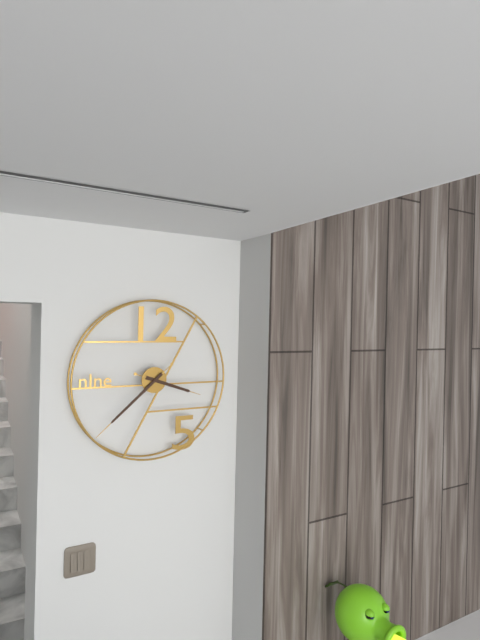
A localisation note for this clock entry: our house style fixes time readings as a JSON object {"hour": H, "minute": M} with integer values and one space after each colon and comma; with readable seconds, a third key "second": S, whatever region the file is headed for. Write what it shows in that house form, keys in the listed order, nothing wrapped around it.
{"hour": 3, "minute": 38}
